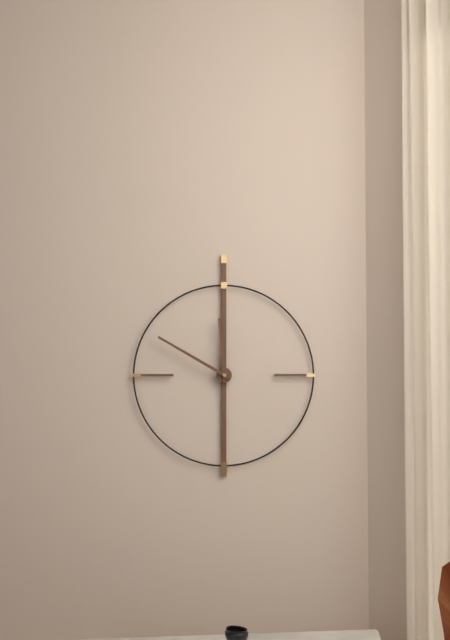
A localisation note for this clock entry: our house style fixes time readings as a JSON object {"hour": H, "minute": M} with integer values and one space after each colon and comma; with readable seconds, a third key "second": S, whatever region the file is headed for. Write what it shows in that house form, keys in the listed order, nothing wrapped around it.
{"hour": 11, "minute": 50}
